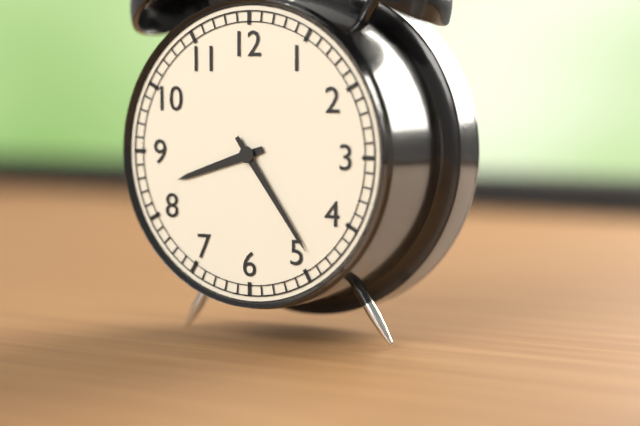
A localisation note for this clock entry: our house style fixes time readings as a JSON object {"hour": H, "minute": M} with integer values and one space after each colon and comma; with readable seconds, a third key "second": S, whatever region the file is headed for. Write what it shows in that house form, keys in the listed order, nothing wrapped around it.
{"hour": 8, "minute": 24}
